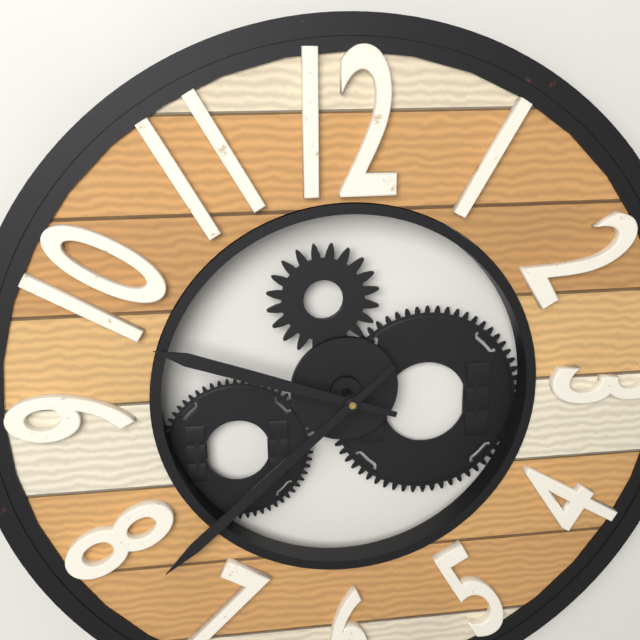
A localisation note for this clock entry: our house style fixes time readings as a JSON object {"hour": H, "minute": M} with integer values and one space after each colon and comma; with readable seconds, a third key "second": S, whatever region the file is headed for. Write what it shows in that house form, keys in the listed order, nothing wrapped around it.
{"hour": 9, "minute": 38}
